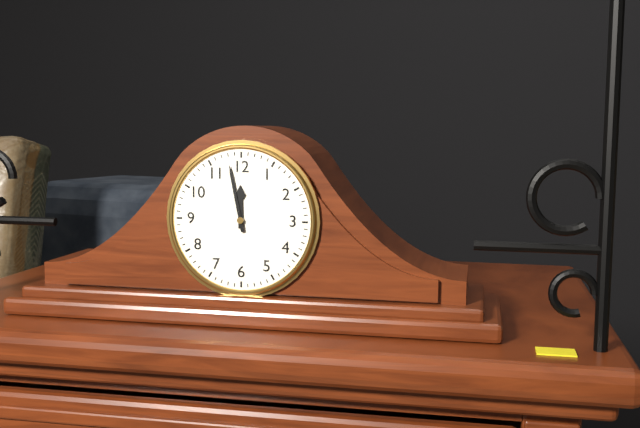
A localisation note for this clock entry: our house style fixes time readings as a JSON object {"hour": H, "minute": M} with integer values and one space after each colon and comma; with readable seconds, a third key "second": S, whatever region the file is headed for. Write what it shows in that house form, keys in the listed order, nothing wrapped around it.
{"hour": 11, "minute": 58}
